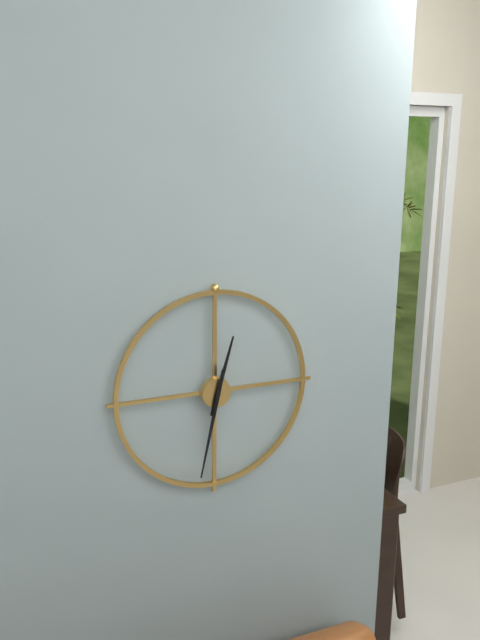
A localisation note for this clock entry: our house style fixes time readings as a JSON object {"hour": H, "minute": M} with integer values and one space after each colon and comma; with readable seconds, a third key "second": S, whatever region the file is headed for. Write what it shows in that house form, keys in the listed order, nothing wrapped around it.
{"hour": 12, "minute": 32}
